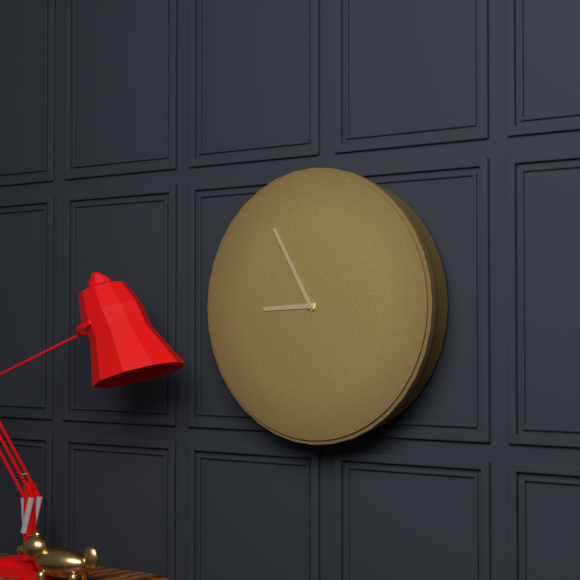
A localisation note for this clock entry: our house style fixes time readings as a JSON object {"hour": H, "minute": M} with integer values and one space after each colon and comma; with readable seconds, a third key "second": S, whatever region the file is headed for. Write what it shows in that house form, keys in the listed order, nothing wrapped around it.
{"hour": 8, "minute": 55}
